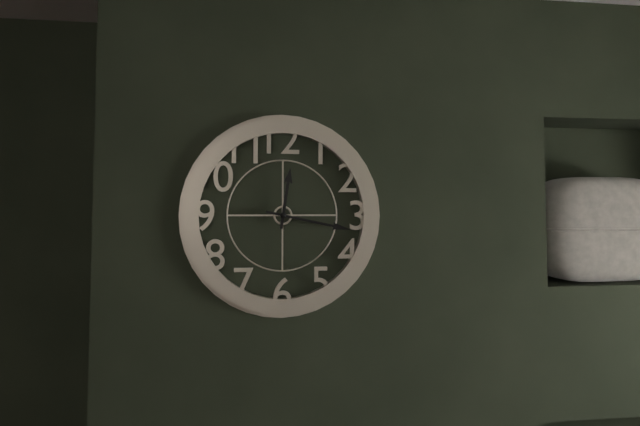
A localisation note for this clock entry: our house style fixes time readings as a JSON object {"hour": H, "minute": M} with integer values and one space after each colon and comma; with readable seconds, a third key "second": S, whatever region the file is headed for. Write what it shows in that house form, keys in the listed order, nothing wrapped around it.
{"hour": 12, "minute": 17}
